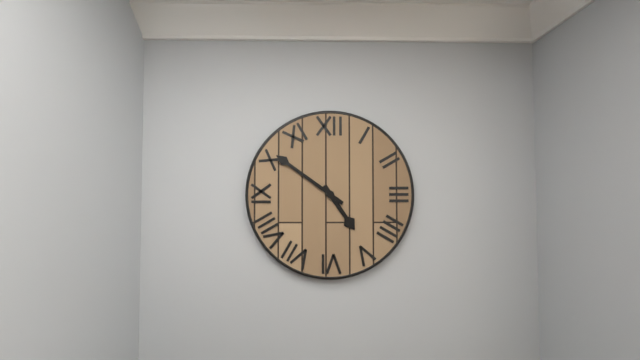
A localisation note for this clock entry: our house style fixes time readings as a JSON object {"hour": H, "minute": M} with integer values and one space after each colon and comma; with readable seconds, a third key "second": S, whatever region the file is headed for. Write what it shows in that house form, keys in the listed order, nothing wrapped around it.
{"hour": 4, "minute": 51}
